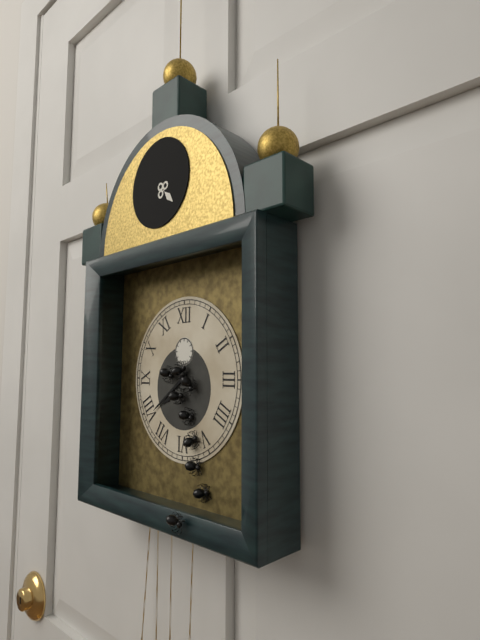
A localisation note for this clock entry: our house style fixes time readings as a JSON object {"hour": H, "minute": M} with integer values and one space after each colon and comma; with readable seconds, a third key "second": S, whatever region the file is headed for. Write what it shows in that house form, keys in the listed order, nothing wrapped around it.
{"hour": 7, "minute": 39}
